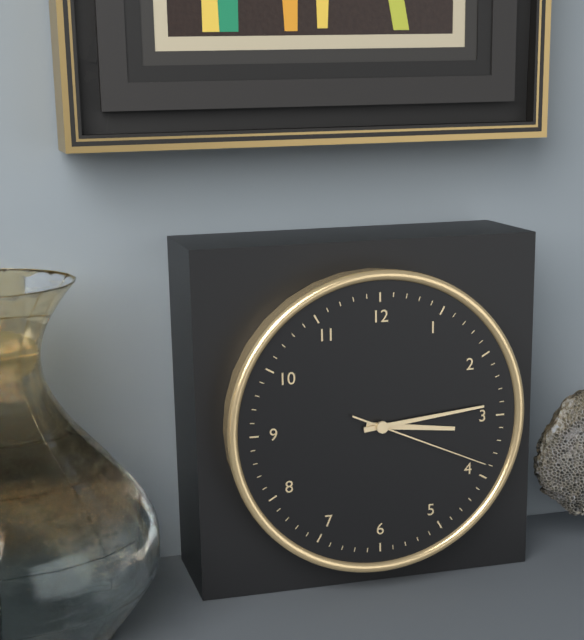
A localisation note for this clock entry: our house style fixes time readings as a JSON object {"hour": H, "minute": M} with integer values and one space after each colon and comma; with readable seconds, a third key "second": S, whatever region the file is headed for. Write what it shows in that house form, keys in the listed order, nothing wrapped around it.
{"hour": 3, "minute": 14, "second": 19}
